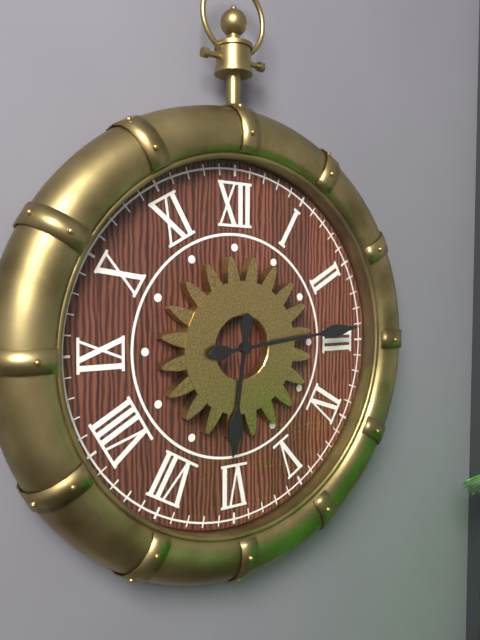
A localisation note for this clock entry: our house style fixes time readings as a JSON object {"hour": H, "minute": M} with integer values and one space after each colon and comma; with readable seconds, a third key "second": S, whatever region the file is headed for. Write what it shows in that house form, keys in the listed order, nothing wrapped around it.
{"hour": 6, "minute": 14}
